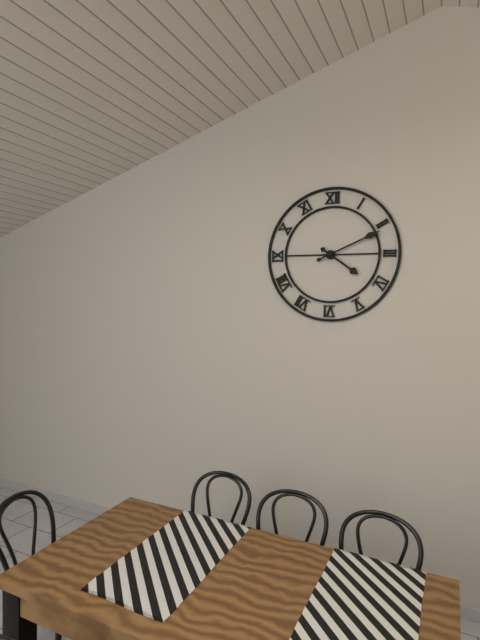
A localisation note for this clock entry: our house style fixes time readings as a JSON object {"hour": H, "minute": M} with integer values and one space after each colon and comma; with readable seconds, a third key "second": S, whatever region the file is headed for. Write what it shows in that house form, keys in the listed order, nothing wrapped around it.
{"hour": 4, "minute": 11}
